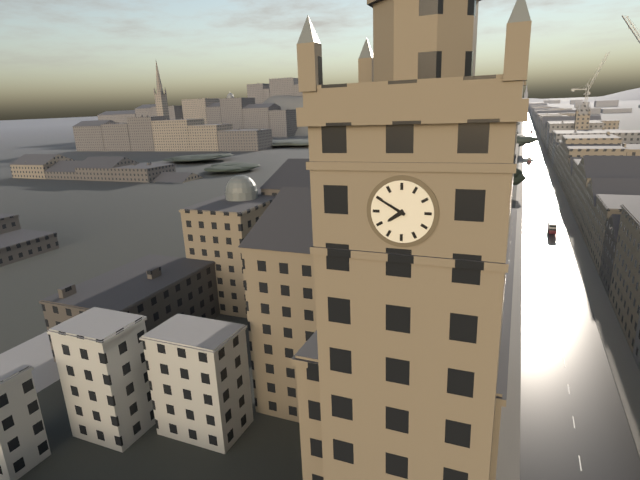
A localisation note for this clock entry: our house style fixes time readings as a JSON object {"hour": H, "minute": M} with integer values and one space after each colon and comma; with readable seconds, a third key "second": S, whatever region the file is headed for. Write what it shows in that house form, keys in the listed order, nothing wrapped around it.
{"hour": 7, "minute": 50}
